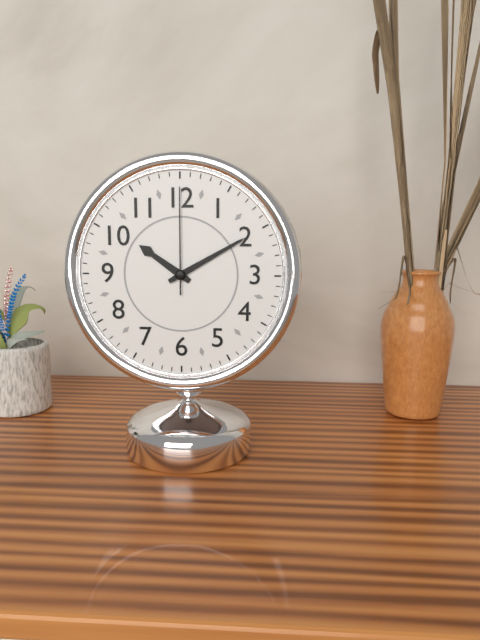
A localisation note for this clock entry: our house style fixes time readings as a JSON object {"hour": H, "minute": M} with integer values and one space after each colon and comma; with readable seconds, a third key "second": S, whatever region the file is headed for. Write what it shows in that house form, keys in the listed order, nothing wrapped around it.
{"hour": 10, "minute": 10, "second": 0}
